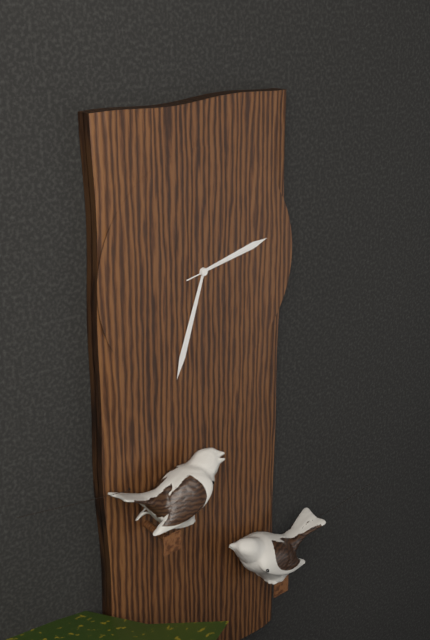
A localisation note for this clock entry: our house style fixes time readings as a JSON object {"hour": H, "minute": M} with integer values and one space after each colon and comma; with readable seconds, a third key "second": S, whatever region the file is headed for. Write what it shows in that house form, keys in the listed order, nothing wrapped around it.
{"hour": 2, "minute": 33, "second": 13}
